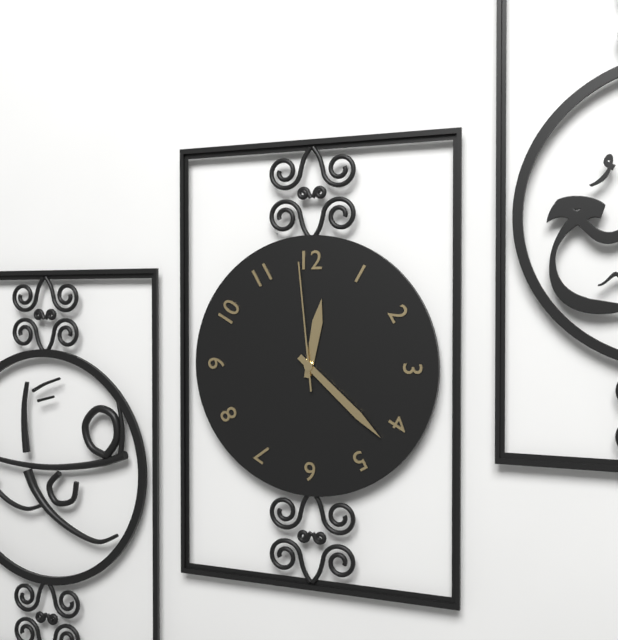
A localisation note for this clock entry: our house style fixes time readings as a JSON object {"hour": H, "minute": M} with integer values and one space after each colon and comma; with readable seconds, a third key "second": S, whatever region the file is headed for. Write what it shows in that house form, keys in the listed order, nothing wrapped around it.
{"hour": 12, "minute": 22, "second": 59}
